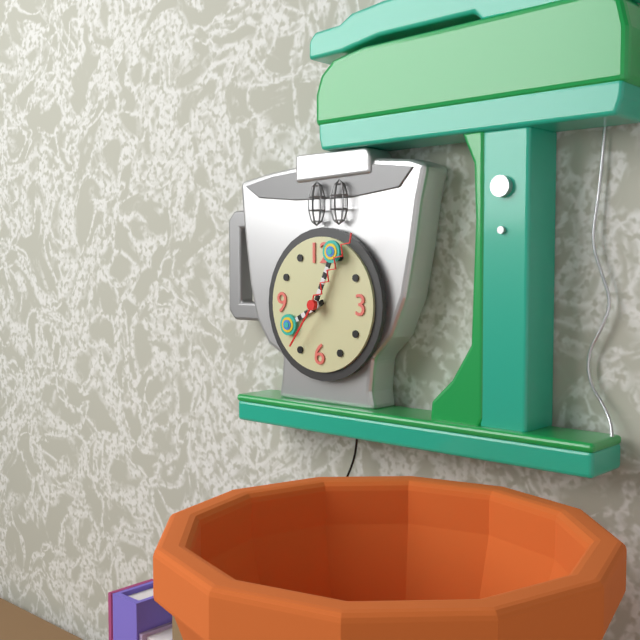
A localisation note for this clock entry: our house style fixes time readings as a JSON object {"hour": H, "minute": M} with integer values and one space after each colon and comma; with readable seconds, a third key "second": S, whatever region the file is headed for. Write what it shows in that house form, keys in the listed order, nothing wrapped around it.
{"hour": 8, "minute": 4, "second": 6}
